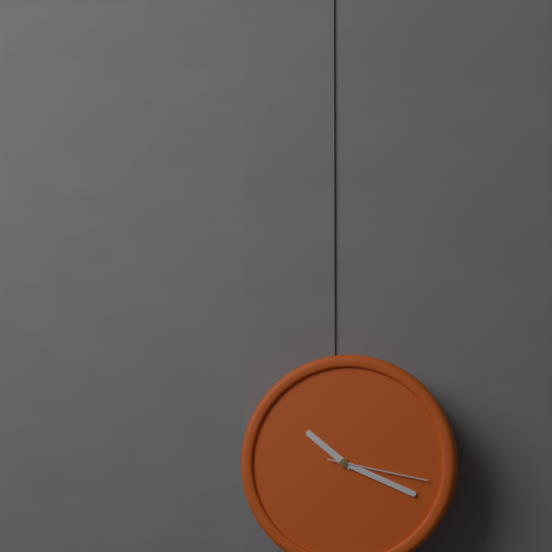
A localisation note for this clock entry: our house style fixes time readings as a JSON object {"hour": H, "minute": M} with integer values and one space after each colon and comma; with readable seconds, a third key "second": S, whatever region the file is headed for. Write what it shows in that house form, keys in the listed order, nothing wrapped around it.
{"hour": 10, "minute": 19, "second": 17}
